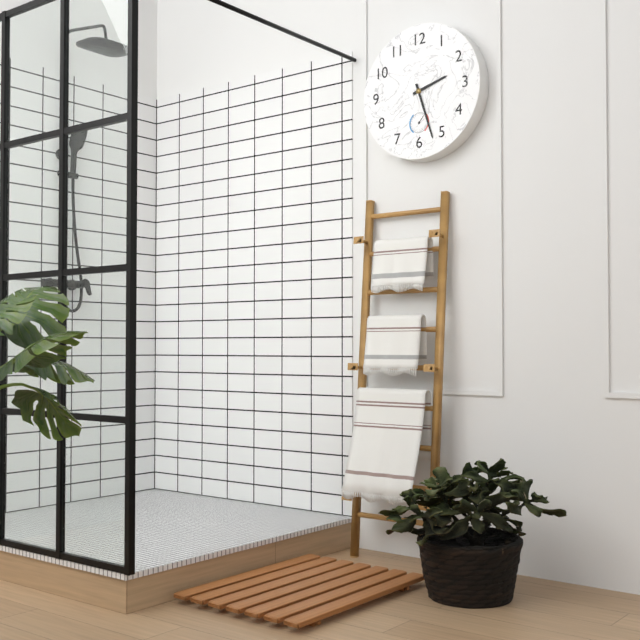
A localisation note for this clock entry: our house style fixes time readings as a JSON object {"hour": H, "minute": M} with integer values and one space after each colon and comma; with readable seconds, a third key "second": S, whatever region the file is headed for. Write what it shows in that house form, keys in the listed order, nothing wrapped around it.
{"hour": 2, "minute": 27}
